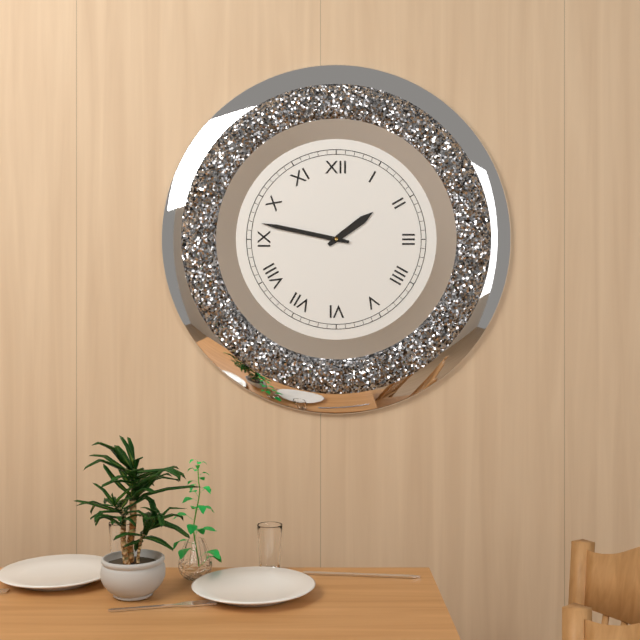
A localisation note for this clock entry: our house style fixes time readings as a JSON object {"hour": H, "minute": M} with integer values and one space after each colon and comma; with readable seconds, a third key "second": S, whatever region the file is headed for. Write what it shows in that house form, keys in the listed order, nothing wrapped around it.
{"hour": 1, "minute": 47}
